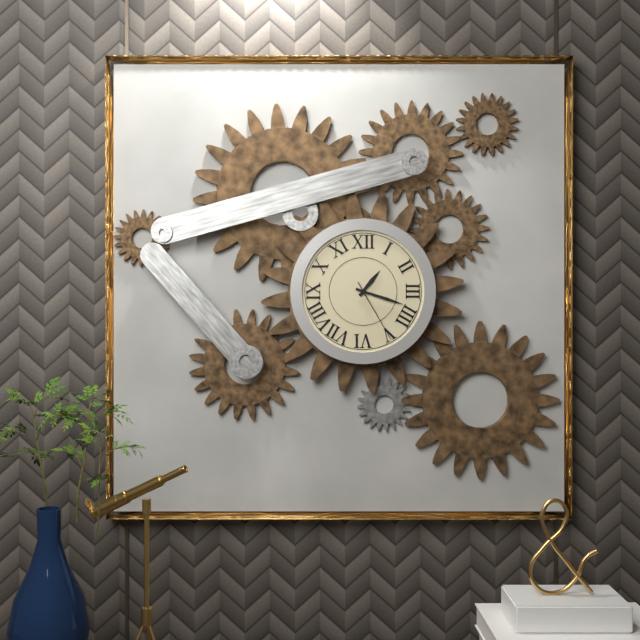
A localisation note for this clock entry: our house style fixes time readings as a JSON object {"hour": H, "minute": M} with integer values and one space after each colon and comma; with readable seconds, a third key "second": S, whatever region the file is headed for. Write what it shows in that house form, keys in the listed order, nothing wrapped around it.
{"hour": 1, "minute": 18, "second": 25}
